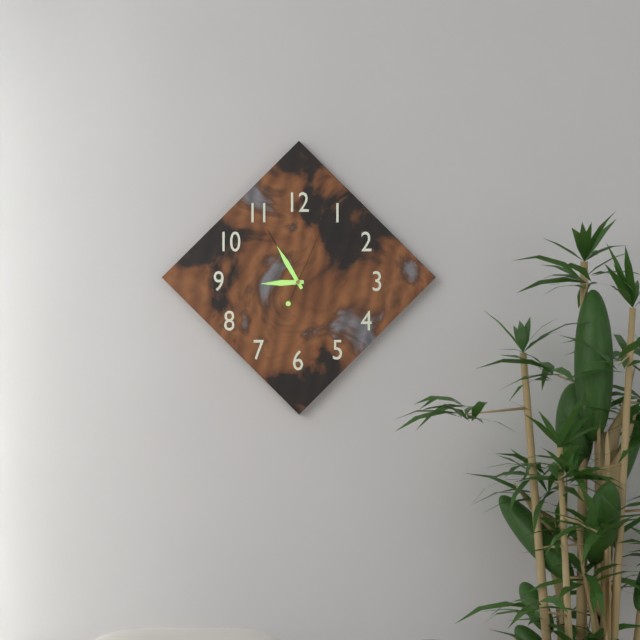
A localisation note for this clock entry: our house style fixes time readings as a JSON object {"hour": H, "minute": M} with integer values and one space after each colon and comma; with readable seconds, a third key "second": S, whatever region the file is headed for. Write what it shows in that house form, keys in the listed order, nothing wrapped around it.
{"hour": 8, "minute": 55, "second": 4}
